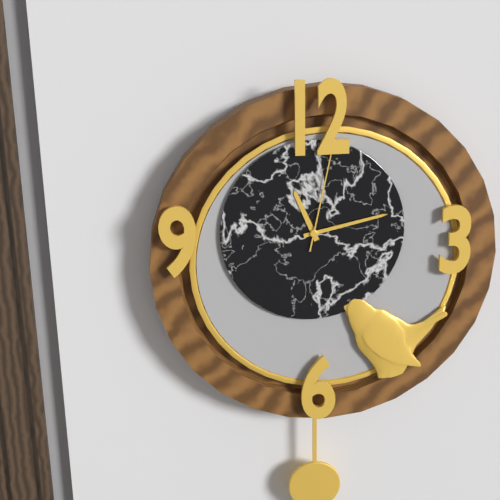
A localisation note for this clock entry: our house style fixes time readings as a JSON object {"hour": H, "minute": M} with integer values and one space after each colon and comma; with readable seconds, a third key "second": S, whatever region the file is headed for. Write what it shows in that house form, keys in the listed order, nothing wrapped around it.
{"hour": 11, "minute": 13, "second": 2}
